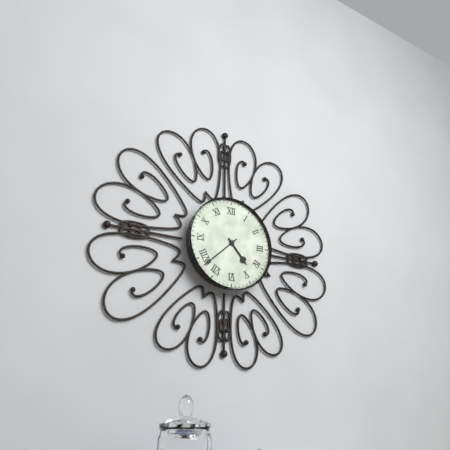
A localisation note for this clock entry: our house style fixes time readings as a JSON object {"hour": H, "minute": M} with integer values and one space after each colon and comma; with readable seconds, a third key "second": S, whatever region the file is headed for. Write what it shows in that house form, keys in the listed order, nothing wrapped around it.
{"hour": 4, "minute": 38}
